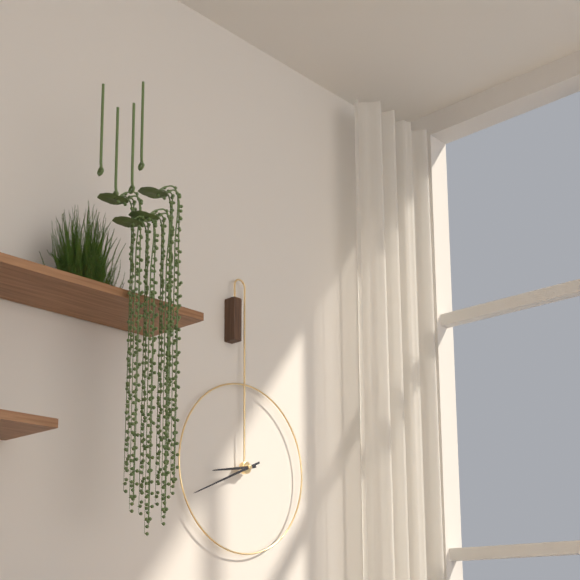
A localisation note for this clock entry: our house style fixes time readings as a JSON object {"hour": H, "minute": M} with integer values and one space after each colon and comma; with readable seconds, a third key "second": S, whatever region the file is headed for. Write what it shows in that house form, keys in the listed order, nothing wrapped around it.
{"hour": 8, "minute": 41}
